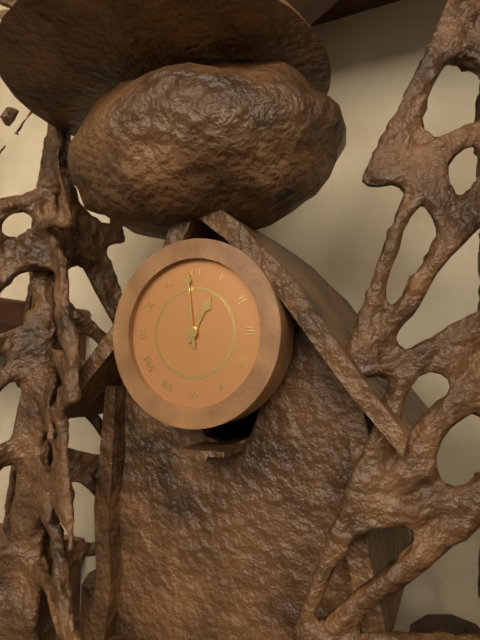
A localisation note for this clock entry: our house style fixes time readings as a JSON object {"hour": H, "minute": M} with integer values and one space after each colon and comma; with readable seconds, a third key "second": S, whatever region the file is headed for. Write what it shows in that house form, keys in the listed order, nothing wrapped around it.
{"hour": 12, "minute": 59}
